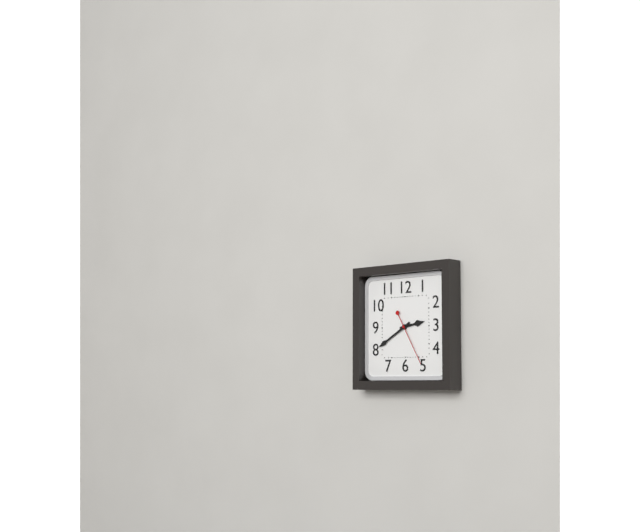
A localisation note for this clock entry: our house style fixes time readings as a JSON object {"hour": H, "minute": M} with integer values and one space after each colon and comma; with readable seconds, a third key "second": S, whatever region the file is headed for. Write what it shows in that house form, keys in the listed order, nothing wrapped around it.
{"hour": 2, "minute": 40}
